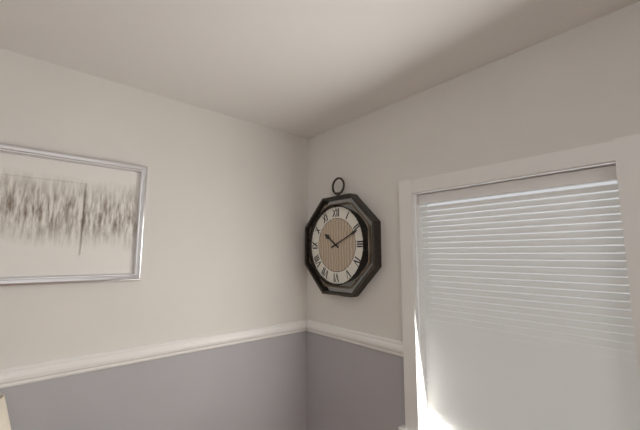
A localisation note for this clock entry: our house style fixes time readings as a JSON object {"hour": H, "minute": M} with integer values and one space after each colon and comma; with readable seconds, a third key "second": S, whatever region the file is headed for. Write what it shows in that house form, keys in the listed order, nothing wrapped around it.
{"hour": 10, "minute": 11}
